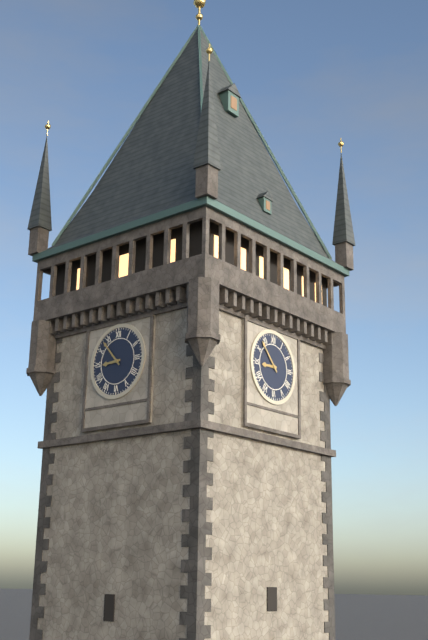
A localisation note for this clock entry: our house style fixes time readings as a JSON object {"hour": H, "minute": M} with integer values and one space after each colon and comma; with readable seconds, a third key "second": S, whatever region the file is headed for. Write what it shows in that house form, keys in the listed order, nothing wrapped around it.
{"hour": 8, "minute": 53}
